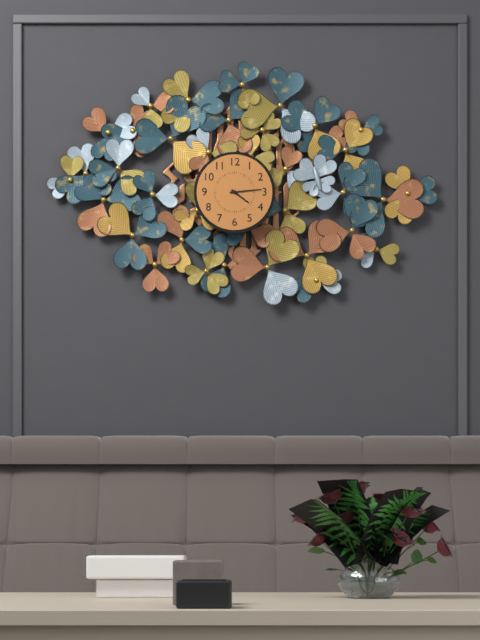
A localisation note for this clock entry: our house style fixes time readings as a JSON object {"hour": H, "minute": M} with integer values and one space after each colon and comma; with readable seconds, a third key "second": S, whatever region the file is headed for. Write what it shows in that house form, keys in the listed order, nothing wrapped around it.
{"hour": 4, "minute": 14}
